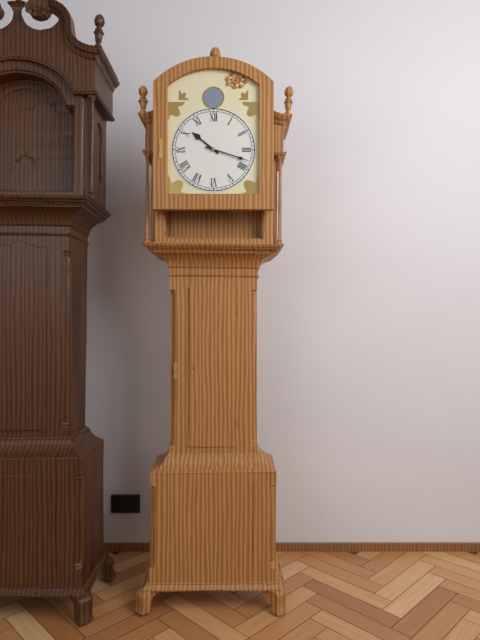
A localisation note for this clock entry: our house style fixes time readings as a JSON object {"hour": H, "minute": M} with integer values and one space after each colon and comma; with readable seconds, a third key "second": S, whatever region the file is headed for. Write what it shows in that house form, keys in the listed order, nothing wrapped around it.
{"hour": 10, "minute": 18}
